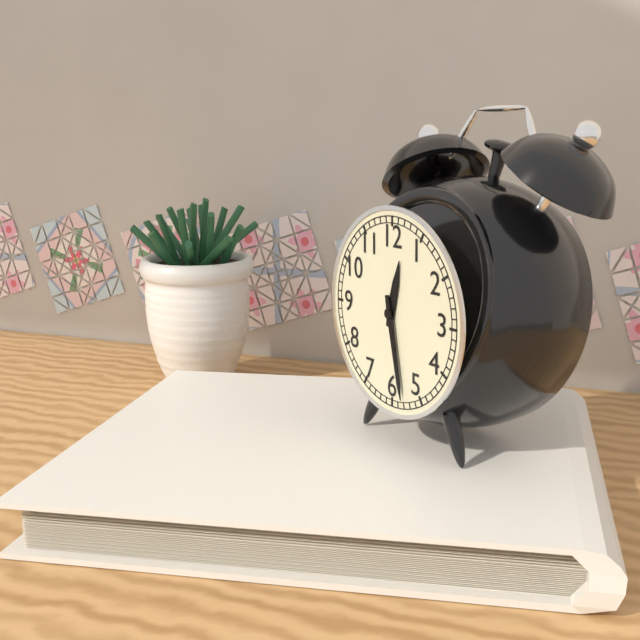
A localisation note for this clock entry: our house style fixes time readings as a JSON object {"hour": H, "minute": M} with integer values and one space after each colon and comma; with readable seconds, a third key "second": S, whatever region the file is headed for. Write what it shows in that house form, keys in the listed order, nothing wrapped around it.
{"hour": 12, "minute": 28}
